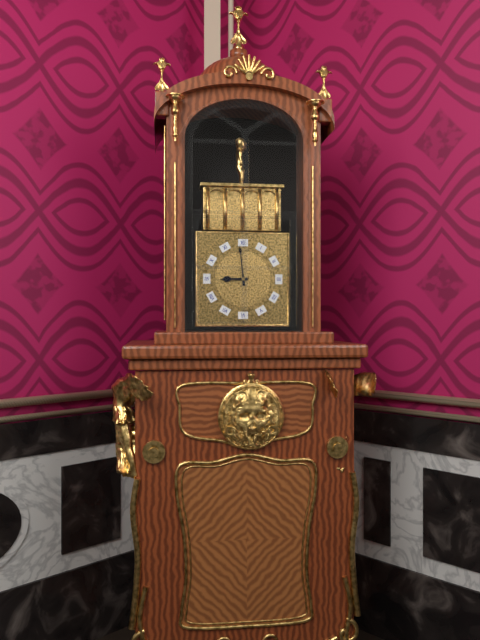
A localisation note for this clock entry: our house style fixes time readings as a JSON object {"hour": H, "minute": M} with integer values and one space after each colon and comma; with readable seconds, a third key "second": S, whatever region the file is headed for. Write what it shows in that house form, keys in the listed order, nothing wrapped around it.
{"hour": 8, "minute": 59}
